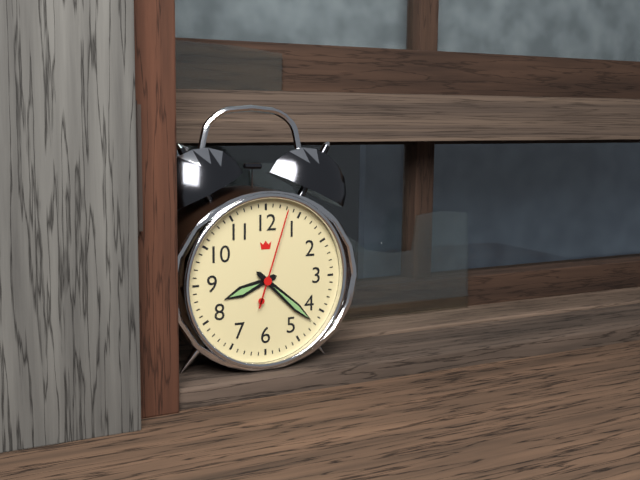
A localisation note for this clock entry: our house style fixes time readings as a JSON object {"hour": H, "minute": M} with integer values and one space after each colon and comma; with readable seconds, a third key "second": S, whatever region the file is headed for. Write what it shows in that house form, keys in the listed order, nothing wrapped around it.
{"hour": 8, "minute": 22, "second": 3}
